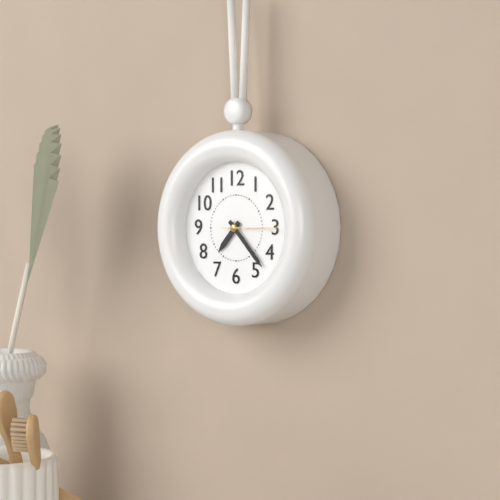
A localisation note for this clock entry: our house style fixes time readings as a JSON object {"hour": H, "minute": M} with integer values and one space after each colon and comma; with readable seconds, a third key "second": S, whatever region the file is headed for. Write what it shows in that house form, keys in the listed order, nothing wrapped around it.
{"hour": 7, "minute": 23, "second": 15}
